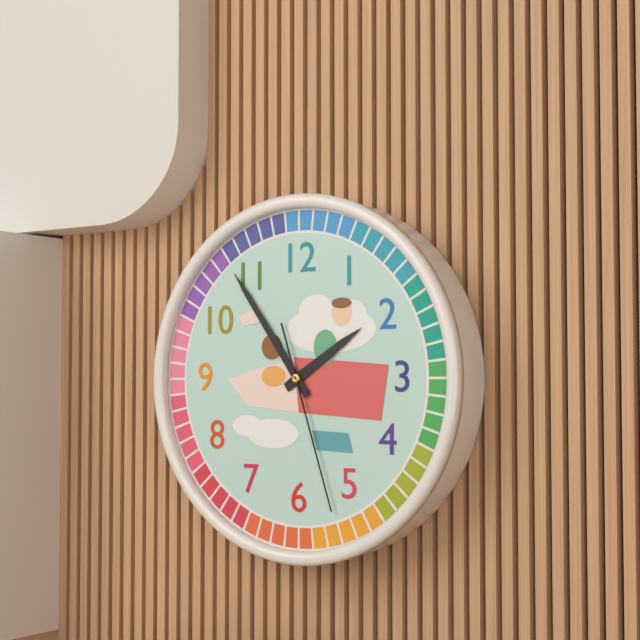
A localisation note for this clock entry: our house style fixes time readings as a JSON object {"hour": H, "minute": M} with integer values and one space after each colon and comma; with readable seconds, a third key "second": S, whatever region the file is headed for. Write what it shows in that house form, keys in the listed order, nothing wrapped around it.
{"hour": 1, "minute": 54, "second": 27}
